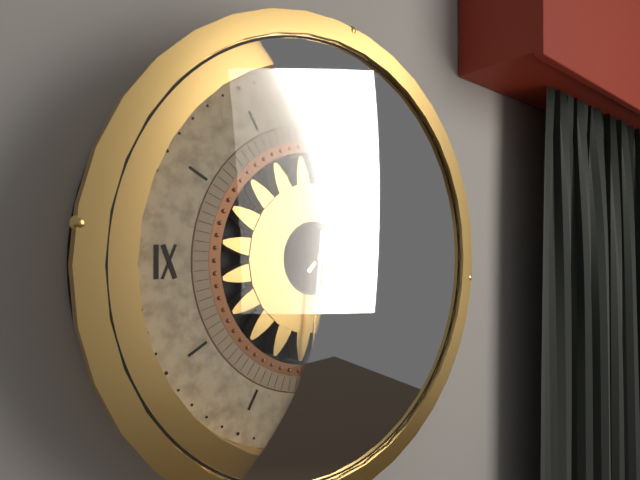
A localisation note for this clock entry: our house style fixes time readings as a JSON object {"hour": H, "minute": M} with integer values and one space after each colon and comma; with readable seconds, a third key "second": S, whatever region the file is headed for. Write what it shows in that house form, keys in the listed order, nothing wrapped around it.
{"hour": 1, "minute": 31}
